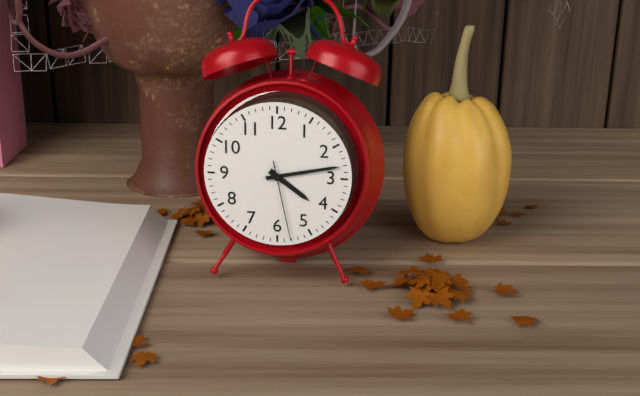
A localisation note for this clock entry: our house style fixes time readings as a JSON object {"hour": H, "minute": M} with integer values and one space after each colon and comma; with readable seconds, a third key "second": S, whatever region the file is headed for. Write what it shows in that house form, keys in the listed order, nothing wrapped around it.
{"hour": 4, "minute": 13, "second": 28}
